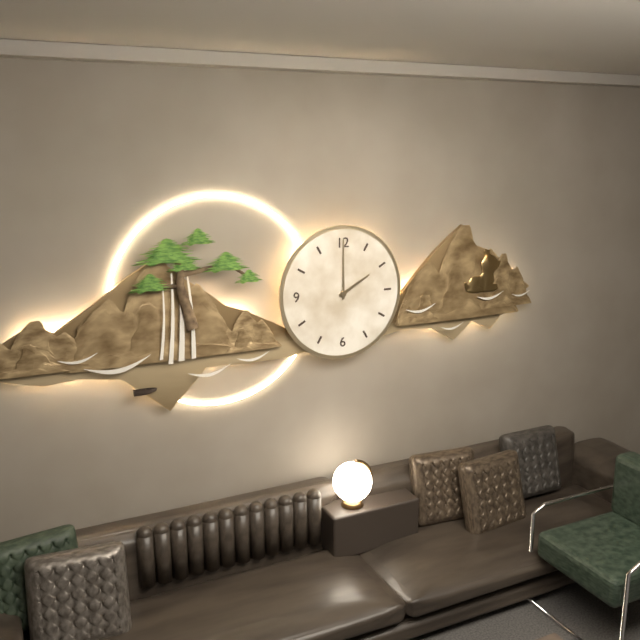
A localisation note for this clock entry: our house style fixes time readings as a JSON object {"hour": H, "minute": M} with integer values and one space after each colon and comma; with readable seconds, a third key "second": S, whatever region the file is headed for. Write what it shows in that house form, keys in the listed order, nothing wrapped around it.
{"hour": 2, "minute": 0}
